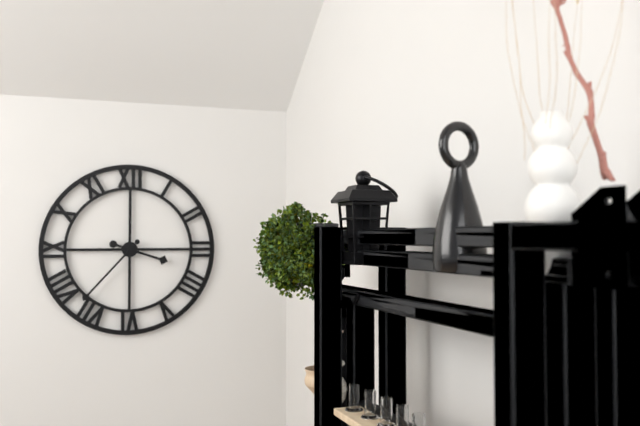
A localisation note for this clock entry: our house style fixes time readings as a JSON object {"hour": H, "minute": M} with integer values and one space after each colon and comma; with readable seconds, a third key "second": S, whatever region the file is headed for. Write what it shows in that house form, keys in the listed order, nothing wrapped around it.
{"hour": 3, "minute": 37}
